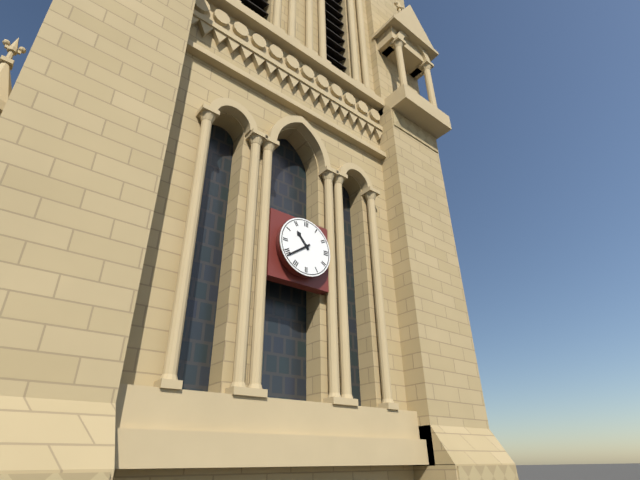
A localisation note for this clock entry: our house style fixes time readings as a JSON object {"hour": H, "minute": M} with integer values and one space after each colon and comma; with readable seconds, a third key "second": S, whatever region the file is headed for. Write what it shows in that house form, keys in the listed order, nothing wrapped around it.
{"hour": 10, "minute": 39}
